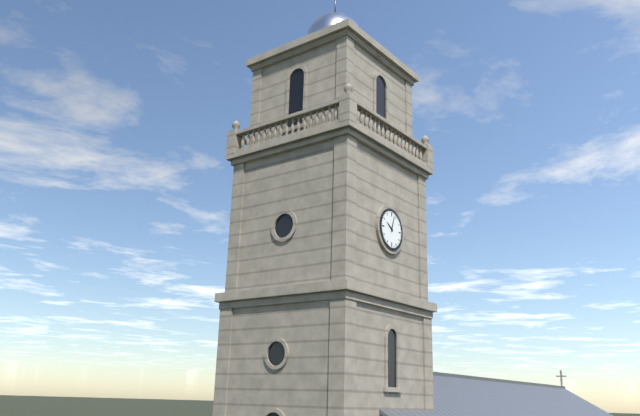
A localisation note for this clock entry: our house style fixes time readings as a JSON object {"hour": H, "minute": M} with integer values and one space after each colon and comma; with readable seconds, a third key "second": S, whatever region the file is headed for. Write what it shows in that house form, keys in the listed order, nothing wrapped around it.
{"hour": 10, "minute": 3}
